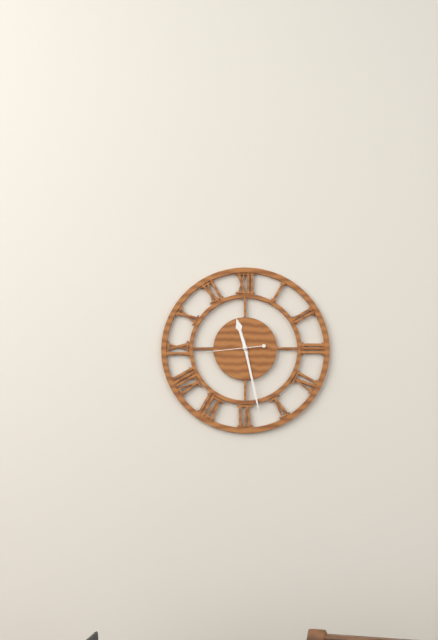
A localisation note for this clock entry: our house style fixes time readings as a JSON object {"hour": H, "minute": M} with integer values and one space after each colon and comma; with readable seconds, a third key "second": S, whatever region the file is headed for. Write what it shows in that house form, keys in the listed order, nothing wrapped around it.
{"hour": 11, "minute": 28, "second": 44}
